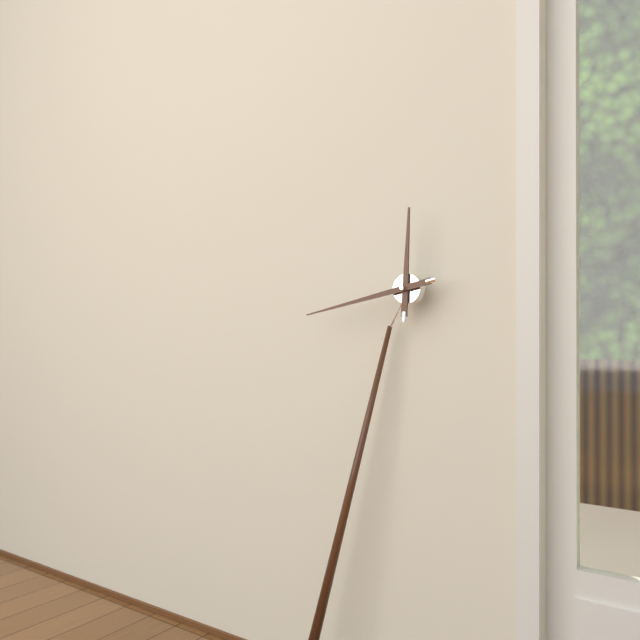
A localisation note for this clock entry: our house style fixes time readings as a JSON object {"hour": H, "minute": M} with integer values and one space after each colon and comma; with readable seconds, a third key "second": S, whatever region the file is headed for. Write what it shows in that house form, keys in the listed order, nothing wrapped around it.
{"hour": 11, "minute": 41}
